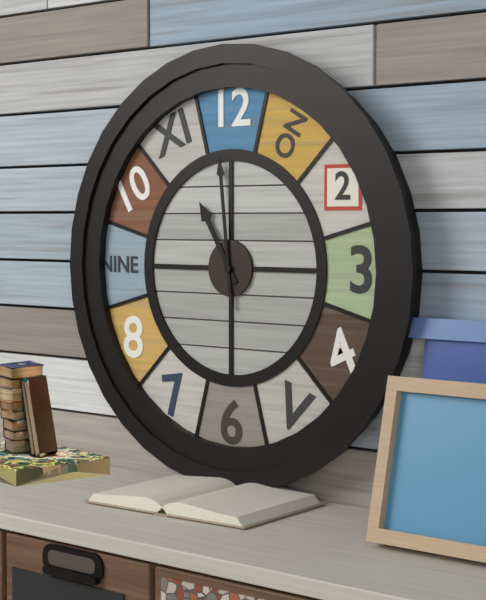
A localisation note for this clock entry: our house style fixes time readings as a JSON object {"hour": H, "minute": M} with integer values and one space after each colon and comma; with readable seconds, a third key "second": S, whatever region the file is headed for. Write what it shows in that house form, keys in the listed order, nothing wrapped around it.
{"hour": 10, "minute": 59}
